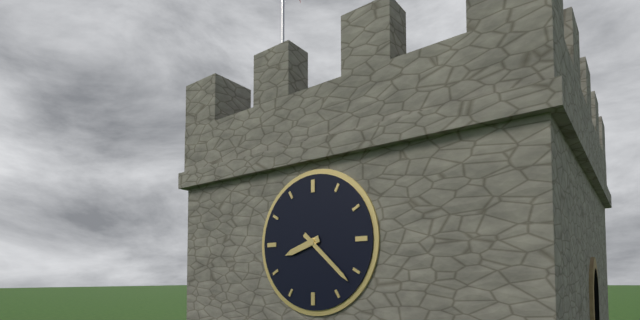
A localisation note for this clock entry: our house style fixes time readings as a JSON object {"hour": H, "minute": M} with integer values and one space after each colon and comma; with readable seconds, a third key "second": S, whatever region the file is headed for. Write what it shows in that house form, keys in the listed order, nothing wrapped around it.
{"hour": 8, "minute": 22}
